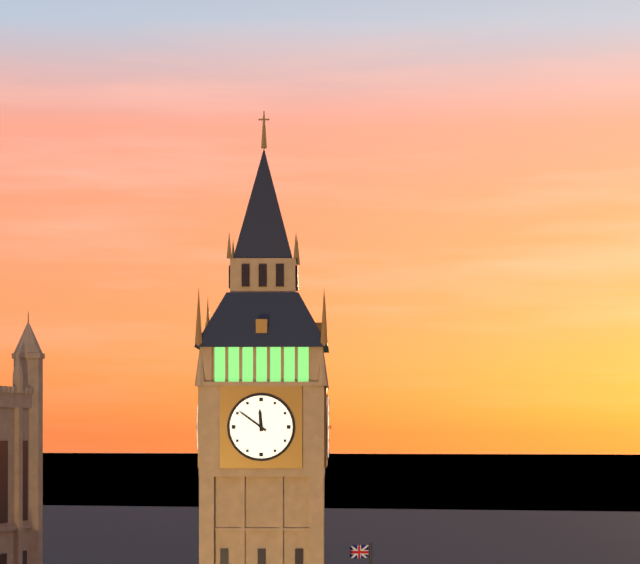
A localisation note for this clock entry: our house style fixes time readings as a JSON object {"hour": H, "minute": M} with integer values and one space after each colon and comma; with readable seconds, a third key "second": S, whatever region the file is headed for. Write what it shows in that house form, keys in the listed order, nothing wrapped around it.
{"hour": 11, "minute": 51}
